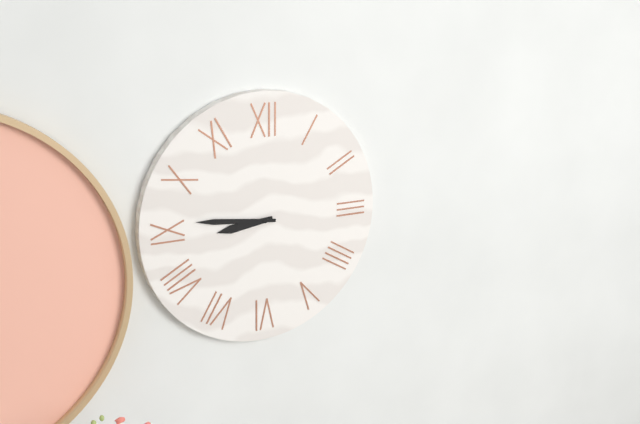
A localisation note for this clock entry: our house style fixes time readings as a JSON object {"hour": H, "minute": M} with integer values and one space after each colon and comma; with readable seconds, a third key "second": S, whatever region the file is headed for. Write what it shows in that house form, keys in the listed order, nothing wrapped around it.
{"hour": 8, "minute": 46}
